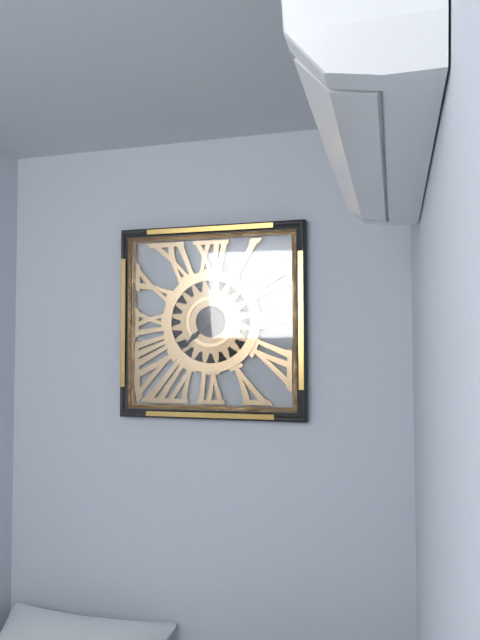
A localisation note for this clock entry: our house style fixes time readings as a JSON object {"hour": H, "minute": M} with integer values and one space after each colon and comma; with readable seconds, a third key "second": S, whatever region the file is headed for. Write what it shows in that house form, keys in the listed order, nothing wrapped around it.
{"hour": 7, "minute": 38}
